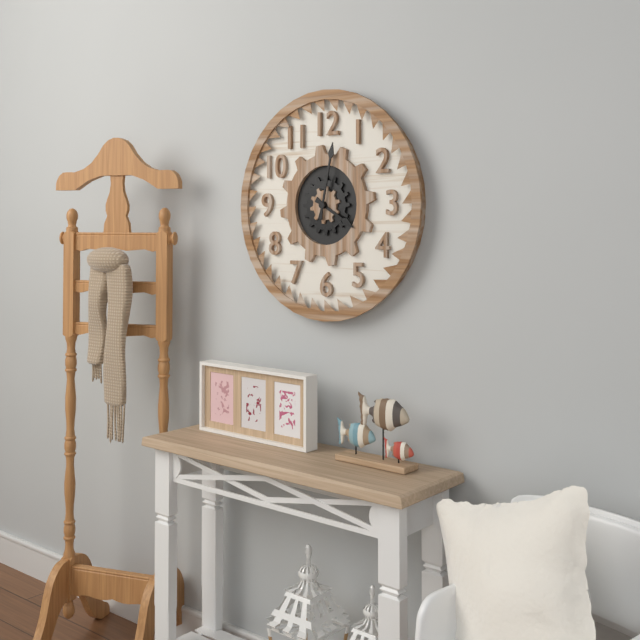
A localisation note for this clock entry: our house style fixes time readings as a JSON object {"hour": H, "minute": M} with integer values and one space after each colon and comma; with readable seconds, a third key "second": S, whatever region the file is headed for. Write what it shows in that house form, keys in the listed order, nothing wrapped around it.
{"hour": 4, "minute": 2}
